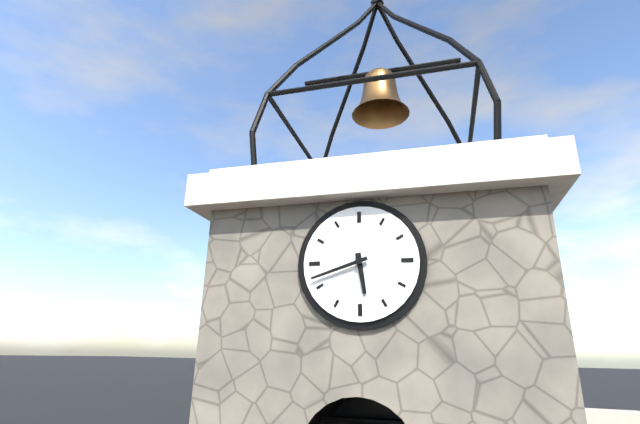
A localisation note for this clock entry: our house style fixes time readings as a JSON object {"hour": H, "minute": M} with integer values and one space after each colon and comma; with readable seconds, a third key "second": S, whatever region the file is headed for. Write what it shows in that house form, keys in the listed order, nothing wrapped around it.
{"hour": 5, "minute": 42}
